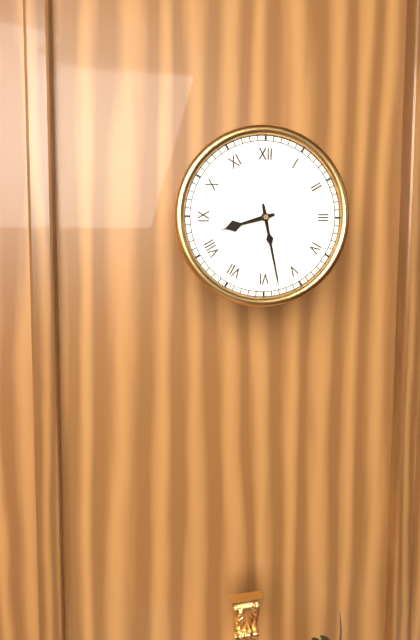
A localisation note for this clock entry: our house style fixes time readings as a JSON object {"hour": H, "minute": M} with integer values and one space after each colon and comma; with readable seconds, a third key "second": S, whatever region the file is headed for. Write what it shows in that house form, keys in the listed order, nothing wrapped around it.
{"hour": 8, "minute": 28}
